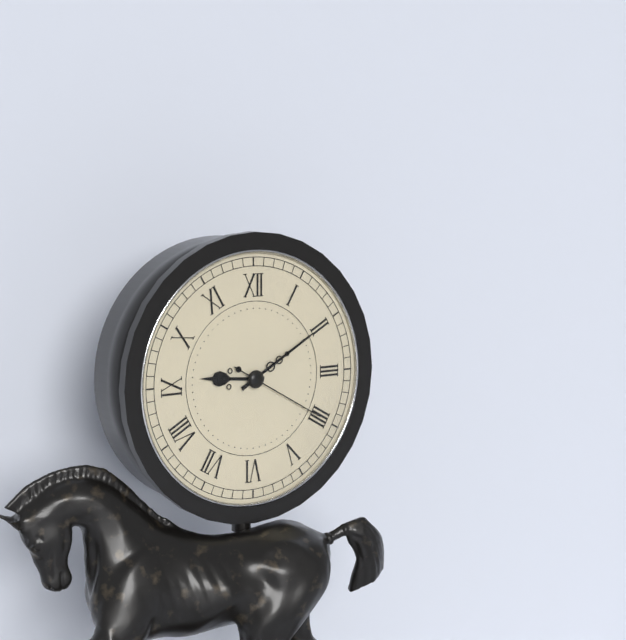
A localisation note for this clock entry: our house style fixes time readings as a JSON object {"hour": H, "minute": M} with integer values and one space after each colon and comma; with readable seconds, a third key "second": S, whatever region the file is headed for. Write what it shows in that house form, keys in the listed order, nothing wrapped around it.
{"hour": 9, "minute": 10, "second": 20}
